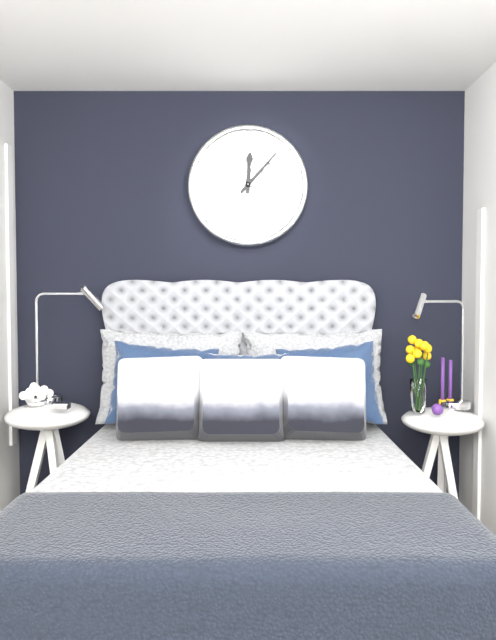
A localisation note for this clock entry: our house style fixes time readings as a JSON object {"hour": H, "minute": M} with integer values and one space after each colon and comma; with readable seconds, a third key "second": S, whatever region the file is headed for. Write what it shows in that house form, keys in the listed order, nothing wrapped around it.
{"hour": 12, "minute": 7}
